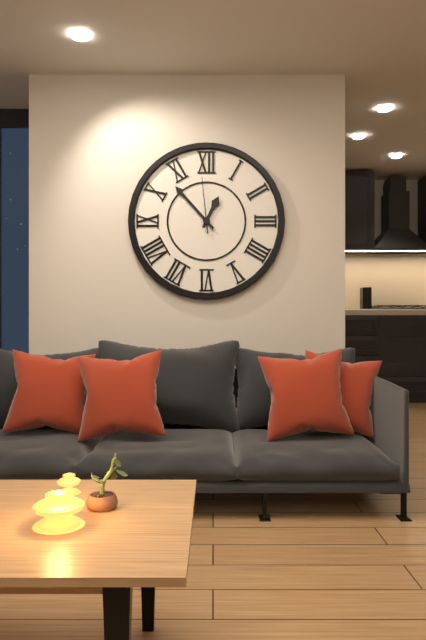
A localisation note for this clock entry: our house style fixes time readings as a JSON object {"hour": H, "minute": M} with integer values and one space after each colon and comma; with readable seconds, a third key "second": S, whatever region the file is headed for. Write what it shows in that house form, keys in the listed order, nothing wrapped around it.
{"hour": 12, "minute": 53, "second": 59}
